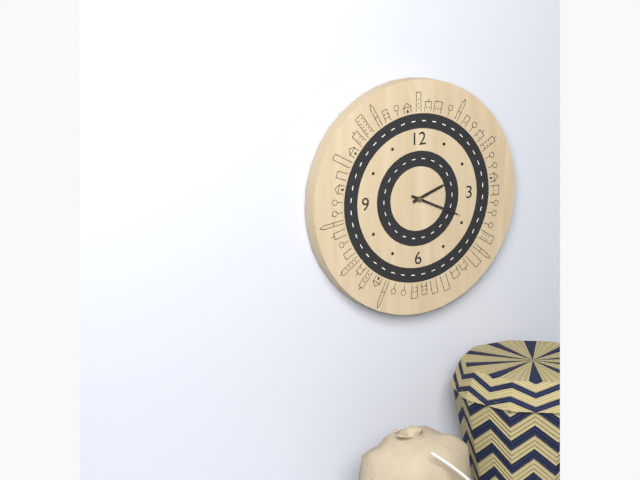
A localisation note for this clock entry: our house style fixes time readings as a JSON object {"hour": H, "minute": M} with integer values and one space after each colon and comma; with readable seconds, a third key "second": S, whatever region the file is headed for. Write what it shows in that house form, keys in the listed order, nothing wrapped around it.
{"hour": 2, "minute": 19}
